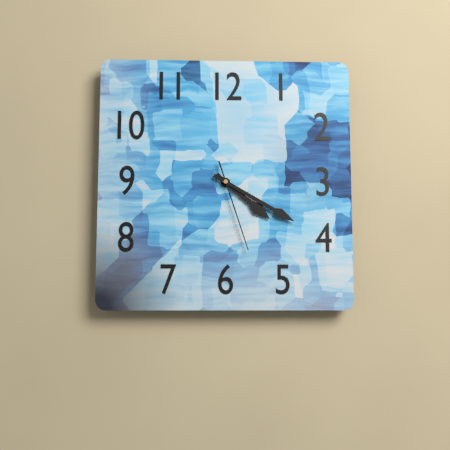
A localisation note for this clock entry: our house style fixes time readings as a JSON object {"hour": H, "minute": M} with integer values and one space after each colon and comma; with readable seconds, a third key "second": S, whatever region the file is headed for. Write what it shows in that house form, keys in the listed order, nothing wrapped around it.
{"hour": 4, "minute": 20, "second": 27}
